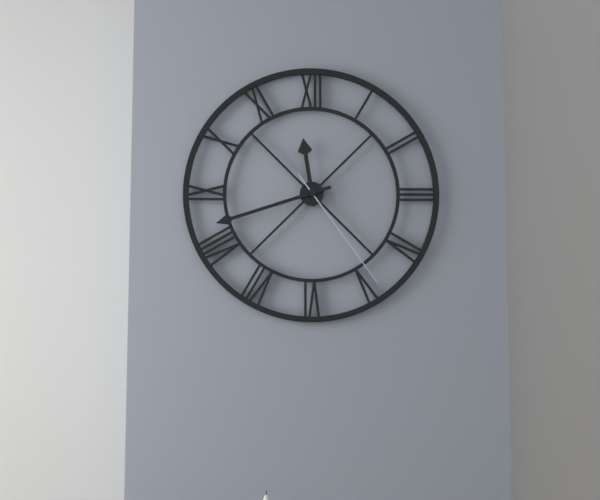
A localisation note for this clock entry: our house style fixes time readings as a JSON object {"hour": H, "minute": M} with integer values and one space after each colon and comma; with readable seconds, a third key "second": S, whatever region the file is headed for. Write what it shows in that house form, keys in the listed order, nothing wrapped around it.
{"hour": 11, "minute": 42, "second": 24}
